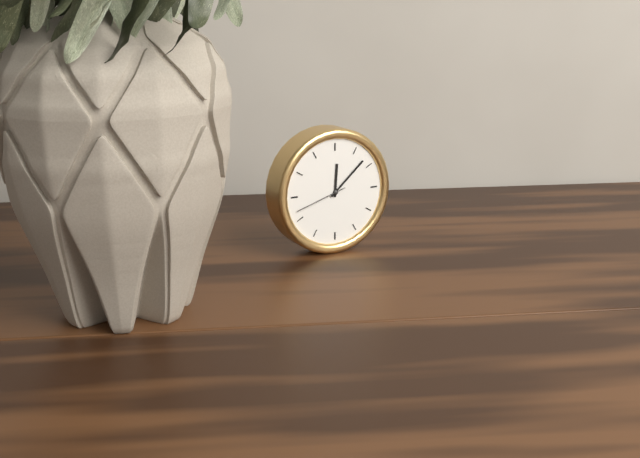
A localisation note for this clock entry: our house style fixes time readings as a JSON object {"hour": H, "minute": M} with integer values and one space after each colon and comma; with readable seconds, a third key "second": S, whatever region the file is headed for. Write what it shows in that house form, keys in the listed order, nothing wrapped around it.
{"hour": 12, "minute": 8, "second": 42}
